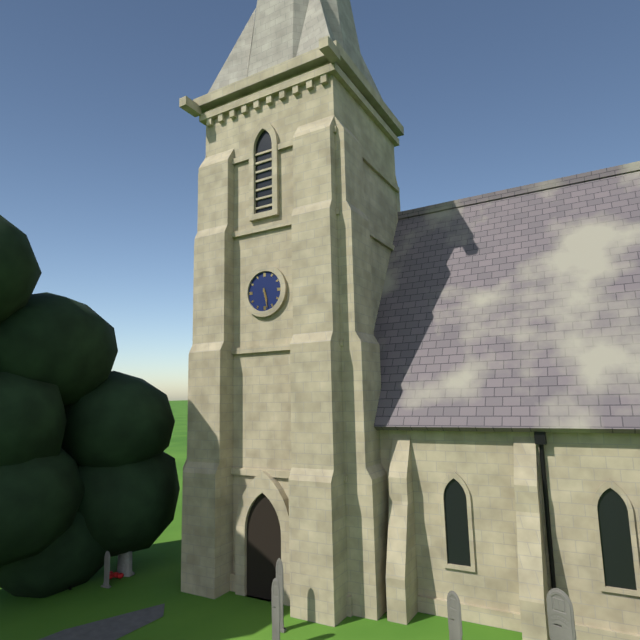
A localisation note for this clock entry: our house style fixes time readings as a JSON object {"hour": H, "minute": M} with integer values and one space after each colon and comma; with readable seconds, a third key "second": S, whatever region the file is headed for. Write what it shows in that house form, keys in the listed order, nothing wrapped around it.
{"hour": 5, "minute": 28}
